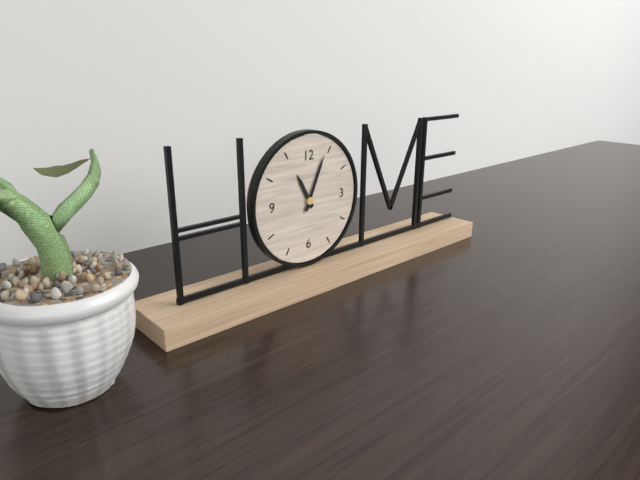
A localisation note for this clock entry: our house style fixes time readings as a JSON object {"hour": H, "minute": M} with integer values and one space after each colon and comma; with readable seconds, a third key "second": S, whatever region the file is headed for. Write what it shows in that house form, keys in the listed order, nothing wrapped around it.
{"hour": 11, "minute": 4}
